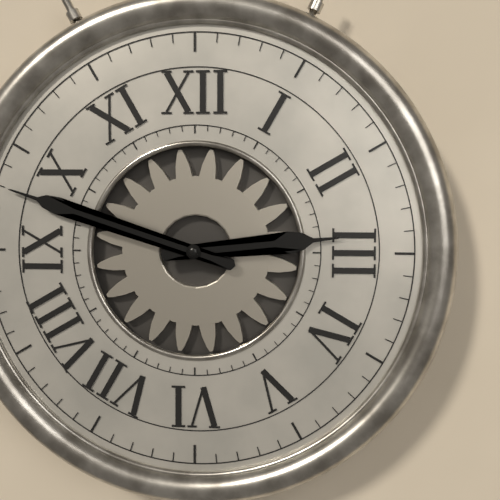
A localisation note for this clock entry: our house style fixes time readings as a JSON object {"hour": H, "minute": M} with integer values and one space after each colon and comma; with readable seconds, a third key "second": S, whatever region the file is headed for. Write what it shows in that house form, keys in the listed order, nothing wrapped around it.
{"hour": 2, "minute": 48}
